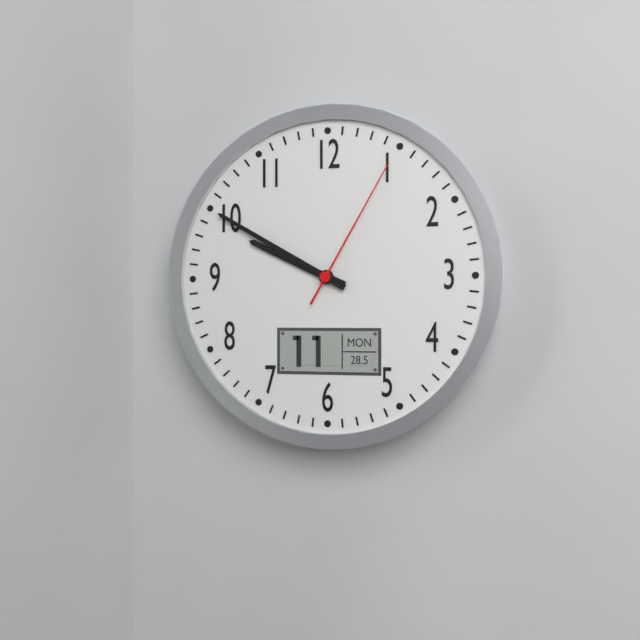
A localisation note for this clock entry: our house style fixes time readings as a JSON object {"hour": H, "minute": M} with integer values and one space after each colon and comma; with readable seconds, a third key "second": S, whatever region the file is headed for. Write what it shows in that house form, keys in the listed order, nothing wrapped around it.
{"hour": 9, "minute": 50, "second": 5}
